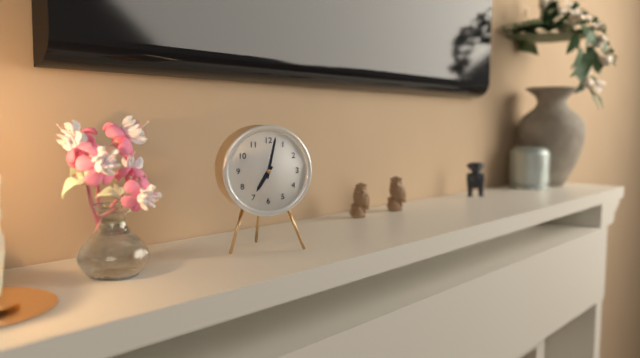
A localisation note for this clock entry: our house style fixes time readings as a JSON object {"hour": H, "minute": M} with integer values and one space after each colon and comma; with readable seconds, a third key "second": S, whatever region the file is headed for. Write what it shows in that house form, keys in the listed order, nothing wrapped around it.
{"hour": 7, "minute": 2}
